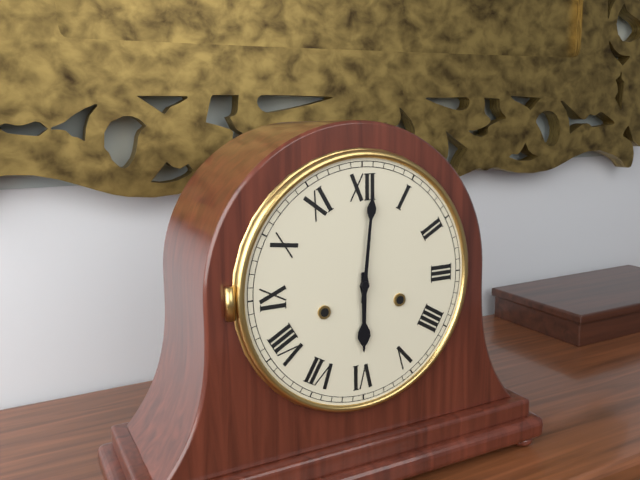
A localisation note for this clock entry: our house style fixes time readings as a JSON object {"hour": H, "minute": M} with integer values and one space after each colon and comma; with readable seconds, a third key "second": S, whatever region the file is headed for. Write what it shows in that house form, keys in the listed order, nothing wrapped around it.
{"hour": 6, "minute": 1}
